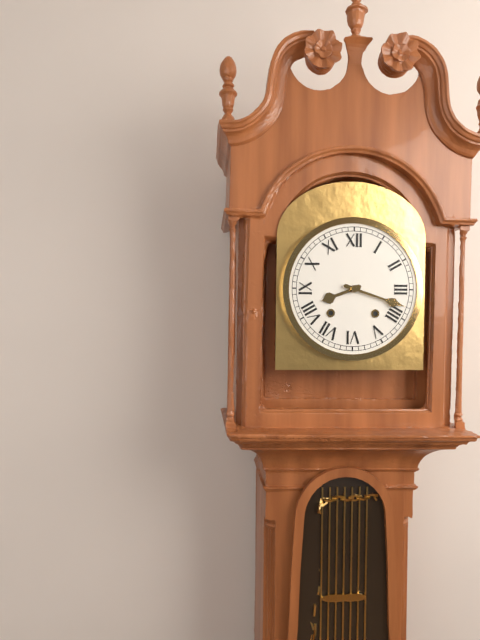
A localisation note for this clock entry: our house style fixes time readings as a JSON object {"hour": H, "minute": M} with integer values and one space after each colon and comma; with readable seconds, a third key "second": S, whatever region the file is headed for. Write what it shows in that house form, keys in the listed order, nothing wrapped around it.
{"hour": 8, "minute": 18}
